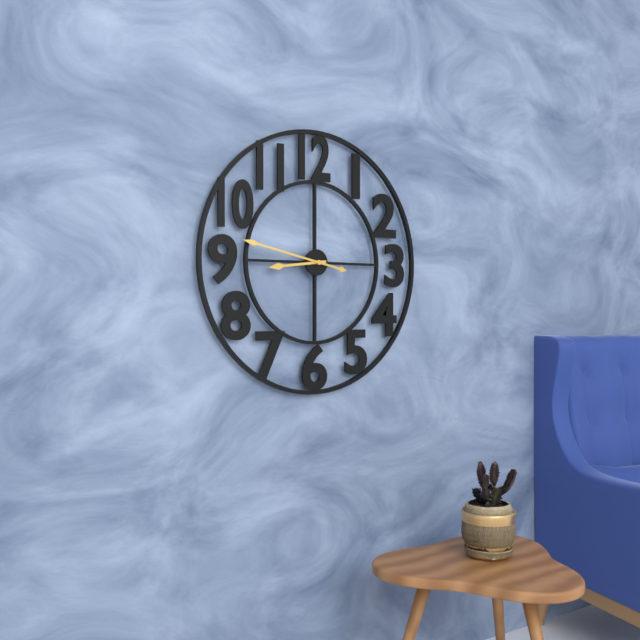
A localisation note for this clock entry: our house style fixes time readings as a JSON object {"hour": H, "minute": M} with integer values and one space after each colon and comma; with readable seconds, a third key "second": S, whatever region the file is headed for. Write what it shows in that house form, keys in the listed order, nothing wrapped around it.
{"hour": 8, "minute": 47}
